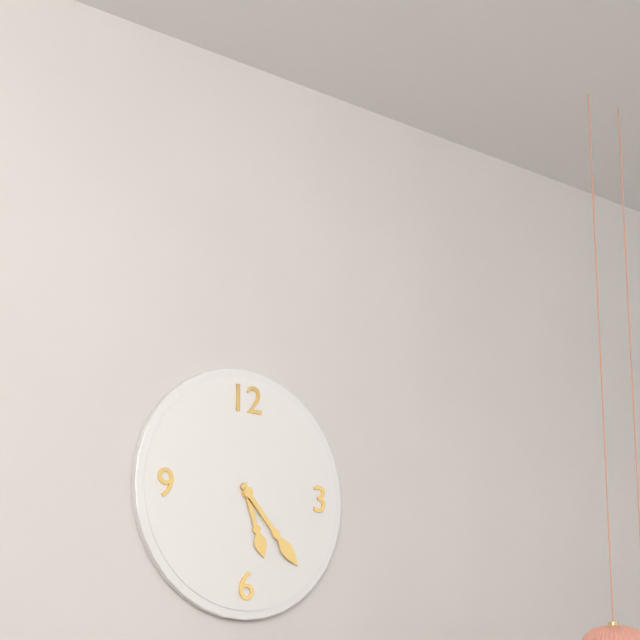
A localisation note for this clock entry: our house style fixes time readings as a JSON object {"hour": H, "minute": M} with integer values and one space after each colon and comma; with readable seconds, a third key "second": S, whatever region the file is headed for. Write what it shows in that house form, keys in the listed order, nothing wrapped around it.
{"hour": 5, "minute": 23}
